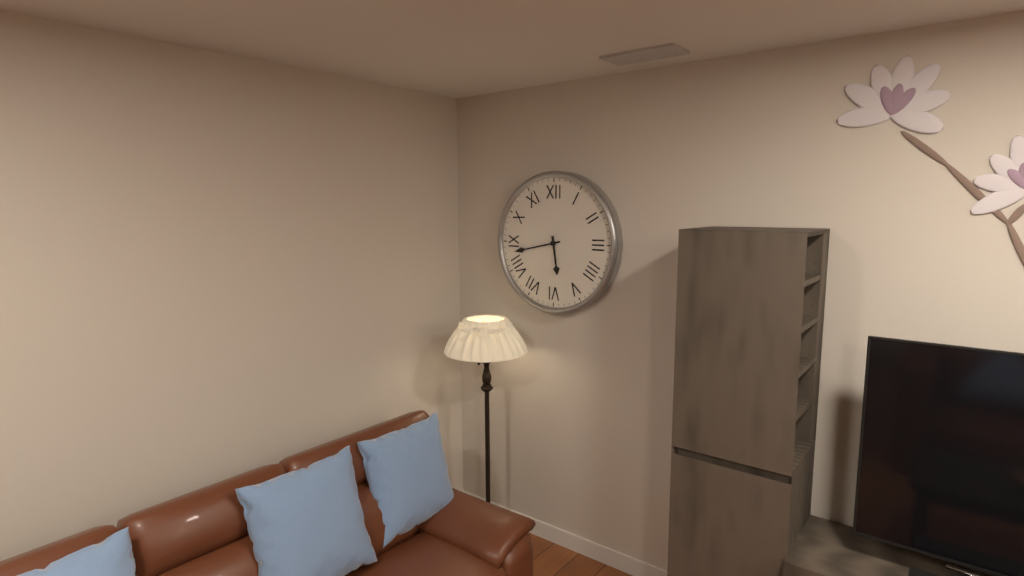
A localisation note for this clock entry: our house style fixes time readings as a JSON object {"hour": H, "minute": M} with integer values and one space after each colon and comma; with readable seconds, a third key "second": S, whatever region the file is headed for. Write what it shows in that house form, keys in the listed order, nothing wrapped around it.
{"hour": 5, "minute": 43}
